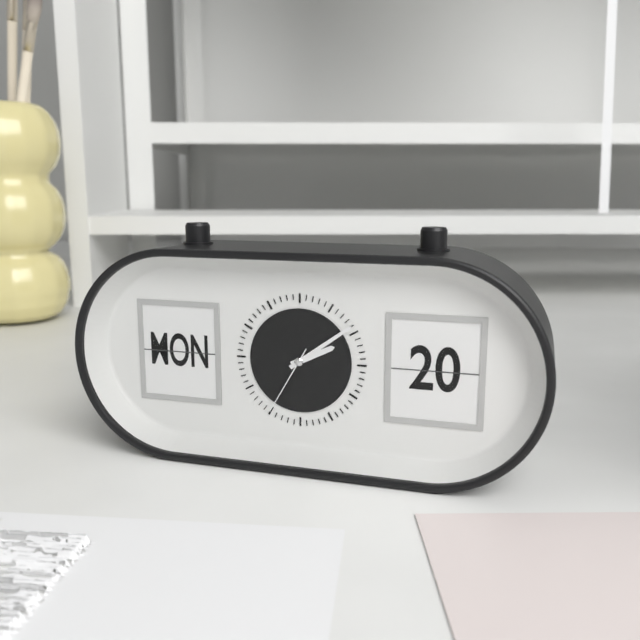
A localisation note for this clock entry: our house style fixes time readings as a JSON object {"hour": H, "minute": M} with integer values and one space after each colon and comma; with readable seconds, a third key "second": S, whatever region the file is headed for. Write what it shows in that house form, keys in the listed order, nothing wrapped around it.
{"hour": 2, "minute": 9, "second": 35}
